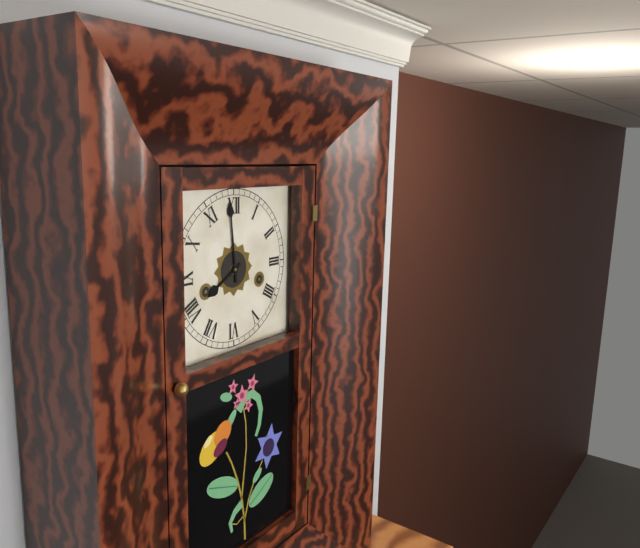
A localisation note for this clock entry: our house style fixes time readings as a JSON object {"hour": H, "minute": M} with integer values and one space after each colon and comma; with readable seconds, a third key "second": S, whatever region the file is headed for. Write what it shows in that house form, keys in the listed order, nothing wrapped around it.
{"hour": 7, "minute": 59}
